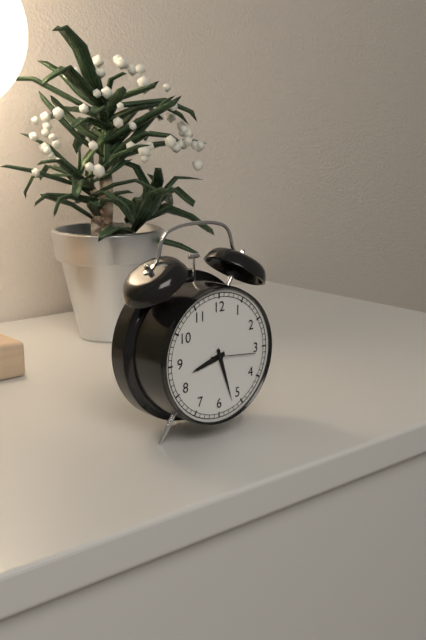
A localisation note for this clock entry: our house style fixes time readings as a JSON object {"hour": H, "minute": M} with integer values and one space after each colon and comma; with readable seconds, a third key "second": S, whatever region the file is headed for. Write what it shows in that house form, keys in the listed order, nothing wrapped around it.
{"hour": 8, "minute": 27}
